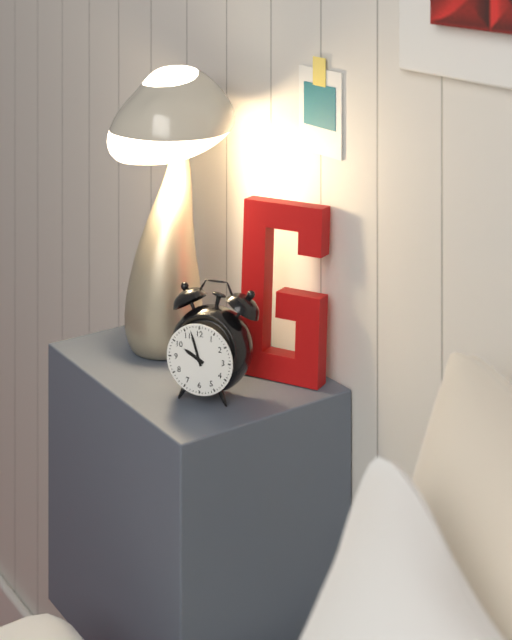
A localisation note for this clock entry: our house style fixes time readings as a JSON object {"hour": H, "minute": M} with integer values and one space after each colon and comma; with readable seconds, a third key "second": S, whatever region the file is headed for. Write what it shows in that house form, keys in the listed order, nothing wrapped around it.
{"hour": 9, "minute": 57}
